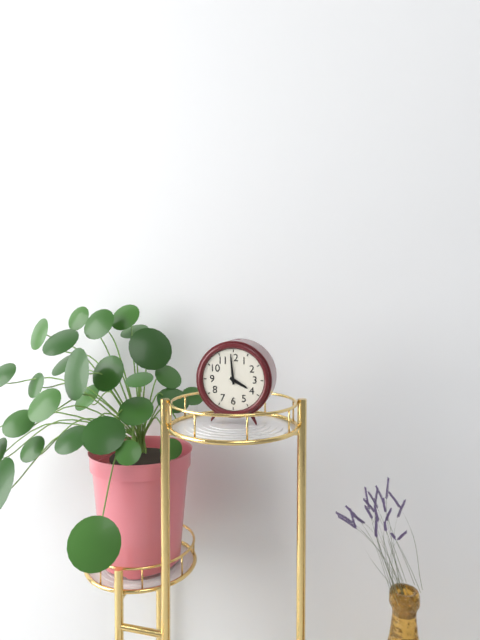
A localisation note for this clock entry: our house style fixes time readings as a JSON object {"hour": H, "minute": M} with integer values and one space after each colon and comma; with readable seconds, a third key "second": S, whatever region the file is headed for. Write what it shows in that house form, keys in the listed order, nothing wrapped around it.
{"hour": 3, "minute": 59}
